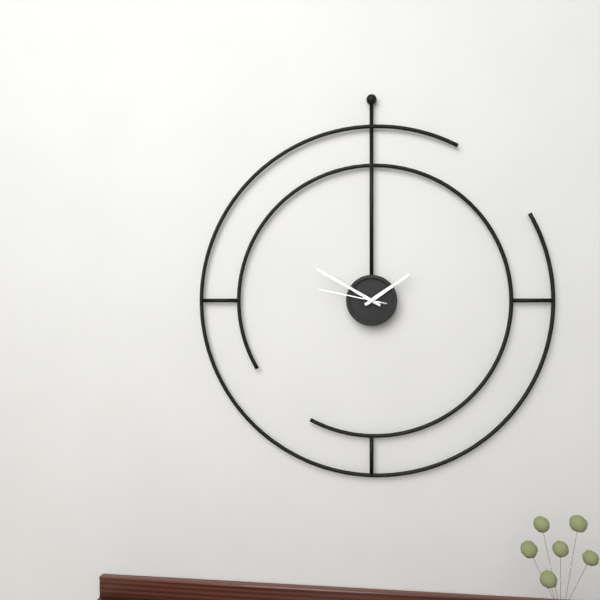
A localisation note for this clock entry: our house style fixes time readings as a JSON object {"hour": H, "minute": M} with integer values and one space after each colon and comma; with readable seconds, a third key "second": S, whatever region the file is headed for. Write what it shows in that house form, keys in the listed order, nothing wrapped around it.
{"hour": 1, "minute": 50, "second": 47}
